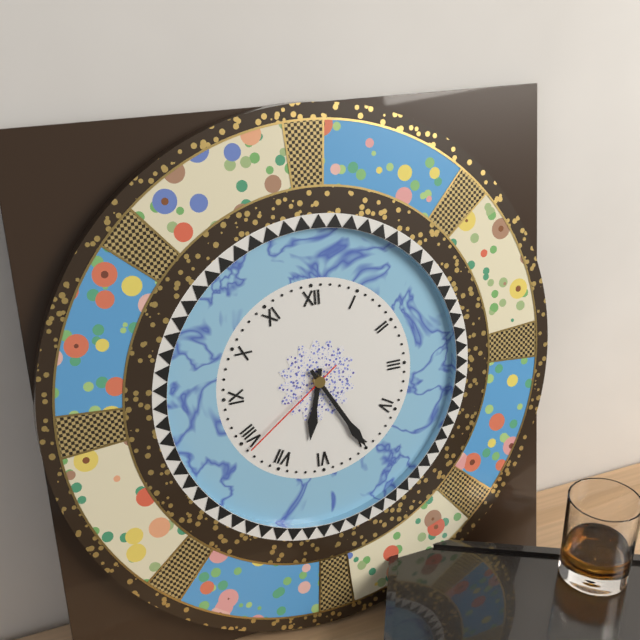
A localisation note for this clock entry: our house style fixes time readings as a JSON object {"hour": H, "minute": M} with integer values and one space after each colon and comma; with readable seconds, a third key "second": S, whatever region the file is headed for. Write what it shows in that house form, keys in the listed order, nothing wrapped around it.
{"hour": 6, "minute": 25, "second": 39}
